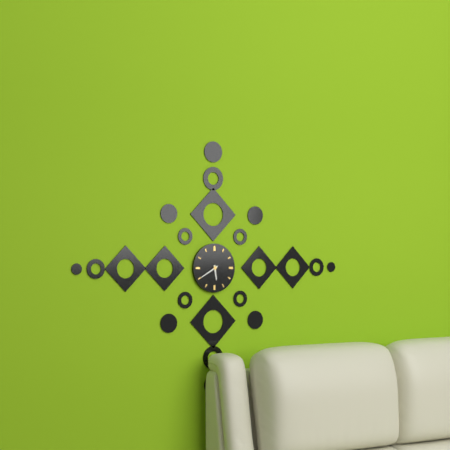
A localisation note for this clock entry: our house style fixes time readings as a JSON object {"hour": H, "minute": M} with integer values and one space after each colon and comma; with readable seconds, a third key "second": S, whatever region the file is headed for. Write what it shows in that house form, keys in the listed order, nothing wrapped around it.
{"hour": 5, "minute": 40}
